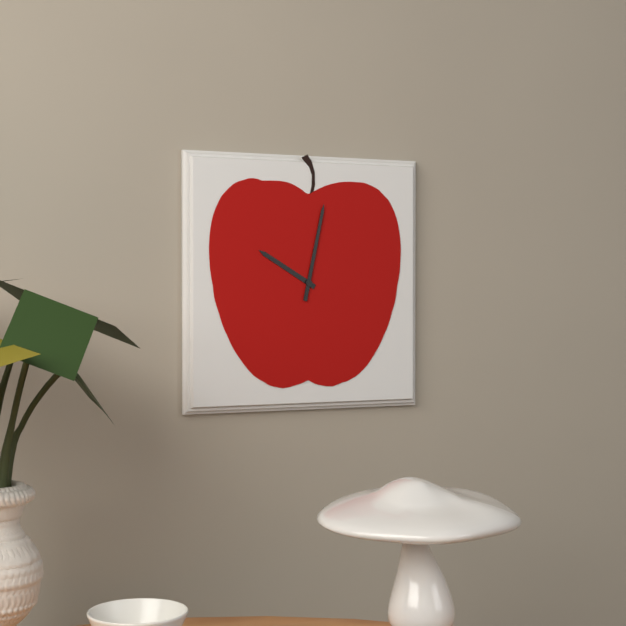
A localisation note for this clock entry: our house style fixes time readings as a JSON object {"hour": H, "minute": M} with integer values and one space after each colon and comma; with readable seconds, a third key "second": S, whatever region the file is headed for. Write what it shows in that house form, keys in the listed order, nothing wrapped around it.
{"hour": 10, "minute": 2}
